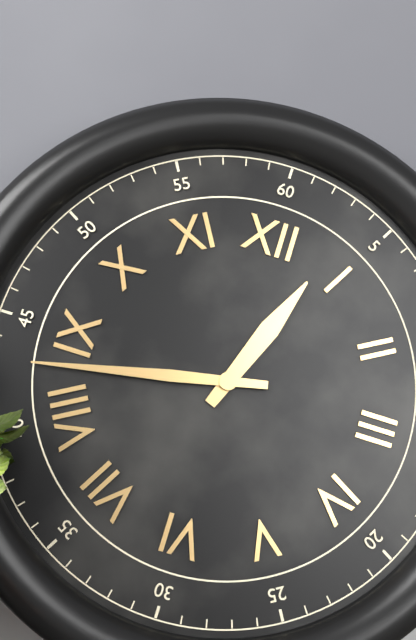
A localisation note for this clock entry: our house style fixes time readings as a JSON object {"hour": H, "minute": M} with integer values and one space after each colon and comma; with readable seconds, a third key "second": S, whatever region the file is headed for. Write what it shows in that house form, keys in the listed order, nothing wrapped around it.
{"hour": 12, "minute": 43}
